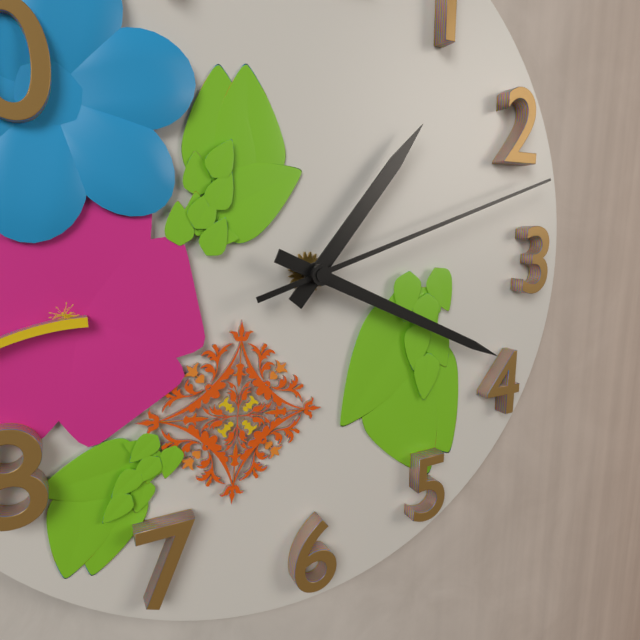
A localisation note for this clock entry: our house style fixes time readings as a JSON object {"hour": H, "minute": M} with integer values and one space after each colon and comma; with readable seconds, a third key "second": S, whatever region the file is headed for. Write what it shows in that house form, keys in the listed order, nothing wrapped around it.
{"hour": 1, "minute": 19, "second": 12}
